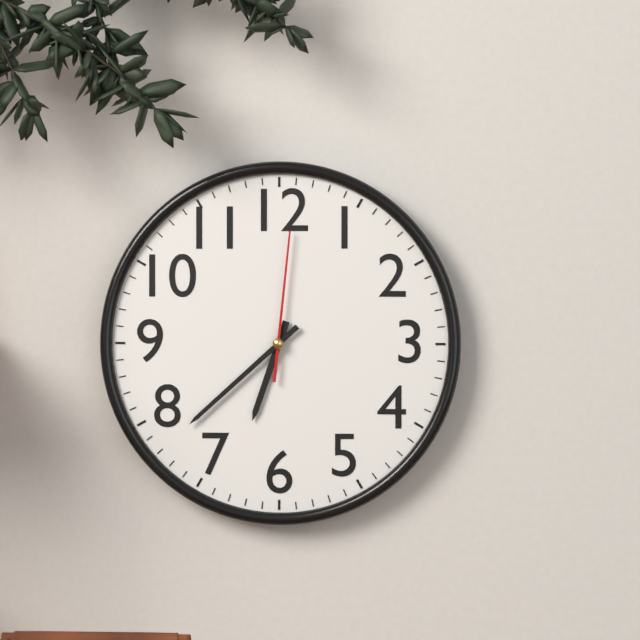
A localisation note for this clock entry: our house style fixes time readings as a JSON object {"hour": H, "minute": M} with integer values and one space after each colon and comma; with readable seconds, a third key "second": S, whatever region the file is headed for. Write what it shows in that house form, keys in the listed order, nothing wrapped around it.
{"hour": 6, "minute": 38, "second": 1}
